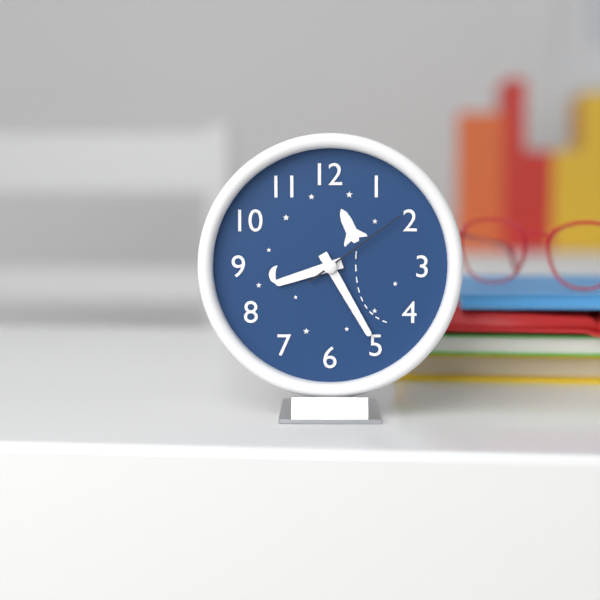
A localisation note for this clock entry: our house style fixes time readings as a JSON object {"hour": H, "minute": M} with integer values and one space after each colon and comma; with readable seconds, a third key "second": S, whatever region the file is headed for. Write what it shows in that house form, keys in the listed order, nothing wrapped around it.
{"hour": 8, "minute": 25, "second": 9}
